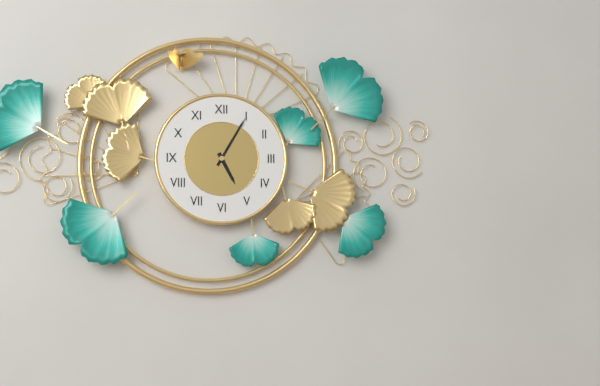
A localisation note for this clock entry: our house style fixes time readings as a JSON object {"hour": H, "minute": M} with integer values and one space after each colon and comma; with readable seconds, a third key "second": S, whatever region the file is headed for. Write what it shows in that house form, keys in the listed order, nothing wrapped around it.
{"hour": 5, "minute": 5}
